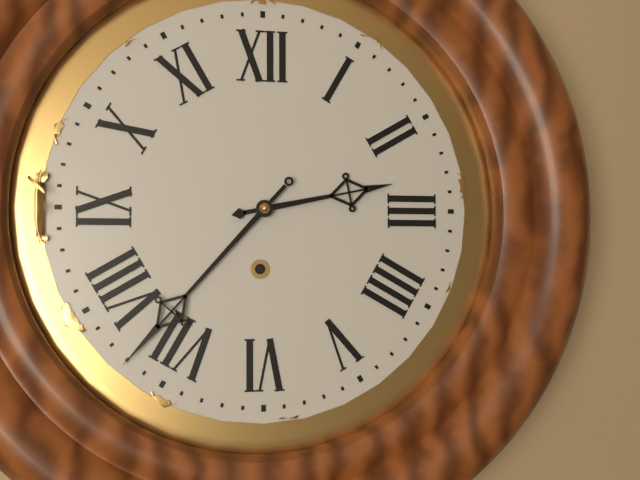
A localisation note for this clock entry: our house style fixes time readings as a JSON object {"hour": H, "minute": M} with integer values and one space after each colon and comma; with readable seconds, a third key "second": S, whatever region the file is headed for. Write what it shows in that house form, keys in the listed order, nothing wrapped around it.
{"hour": 2, "minute": 37}
